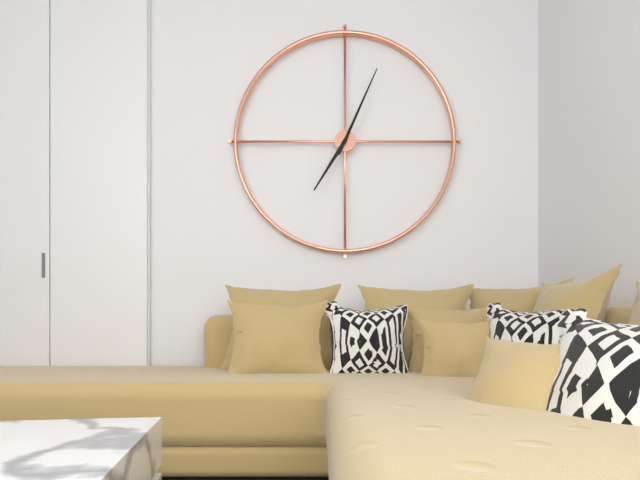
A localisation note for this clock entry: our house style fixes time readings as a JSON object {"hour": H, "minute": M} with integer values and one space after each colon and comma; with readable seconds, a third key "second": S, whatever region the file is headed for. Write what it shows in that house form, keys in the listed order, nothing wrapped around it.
{"hour": 7, "minute": 4}
